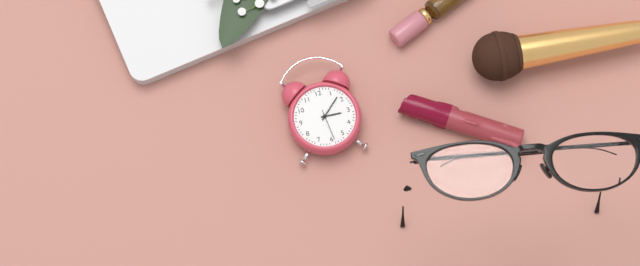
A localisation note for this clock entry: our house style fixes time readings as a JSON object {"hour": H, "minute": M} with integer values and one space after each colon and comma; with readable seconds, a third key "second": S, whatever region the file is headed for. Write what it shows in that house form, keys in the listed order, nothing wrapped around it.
{"hour": 3, "minute": 8}
